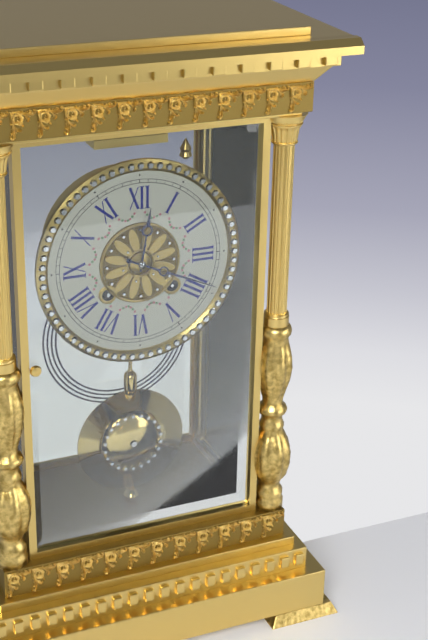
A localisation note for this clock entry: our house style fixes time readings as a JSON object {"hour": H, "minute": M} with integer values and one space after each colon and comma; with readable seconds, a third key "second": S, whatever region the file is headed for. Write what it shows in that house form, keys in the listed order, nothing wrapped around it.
{"hour": 12, "minute": 19}
